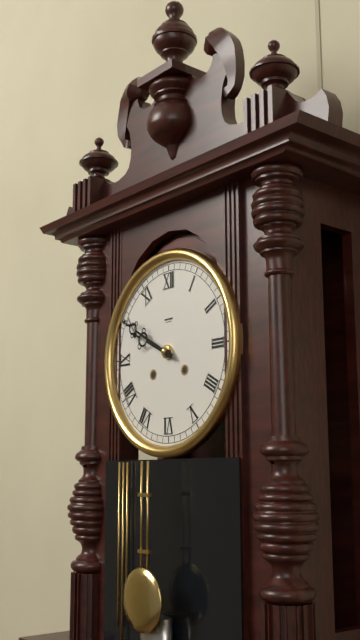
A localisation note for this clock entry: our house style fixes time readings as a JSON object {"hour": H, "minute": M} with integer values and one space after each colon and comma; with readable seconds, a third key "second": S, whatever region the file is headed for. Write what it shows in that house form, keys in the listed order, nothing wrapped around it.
{"hour": 9, "minute": 50}
